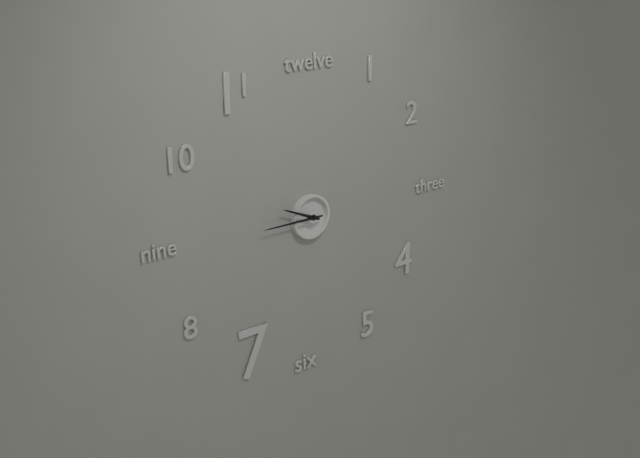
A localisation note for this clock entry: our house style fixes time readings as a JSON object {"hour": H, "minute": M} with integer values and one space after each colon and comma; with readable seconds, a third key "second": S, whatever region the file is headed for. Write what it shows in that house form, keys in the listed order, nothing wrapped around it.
{"hour": 9, "minute": 45}
